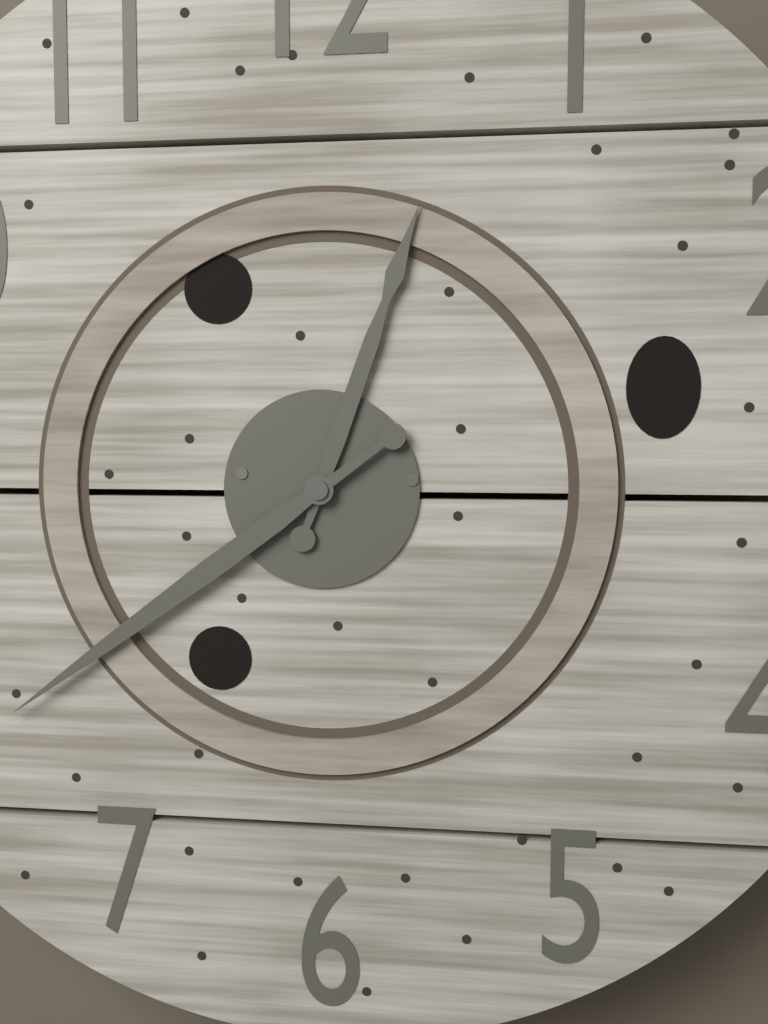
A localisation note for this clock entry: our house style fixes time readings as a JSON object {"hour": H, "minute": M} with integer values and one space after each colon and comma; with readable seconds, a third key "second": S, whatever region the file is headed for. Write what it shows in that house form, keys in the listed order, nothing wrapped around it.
{"hour": 12, "minute": 39}
